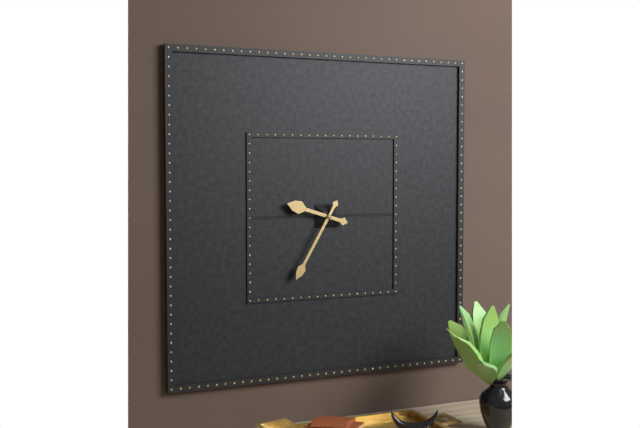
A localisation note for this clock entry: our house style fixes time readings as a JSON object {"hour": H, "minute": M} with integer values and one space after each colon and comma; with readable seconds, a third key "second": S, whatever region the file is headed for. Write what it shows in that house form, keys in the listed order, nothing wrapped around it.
{"hour": 9, "minute": 35}
